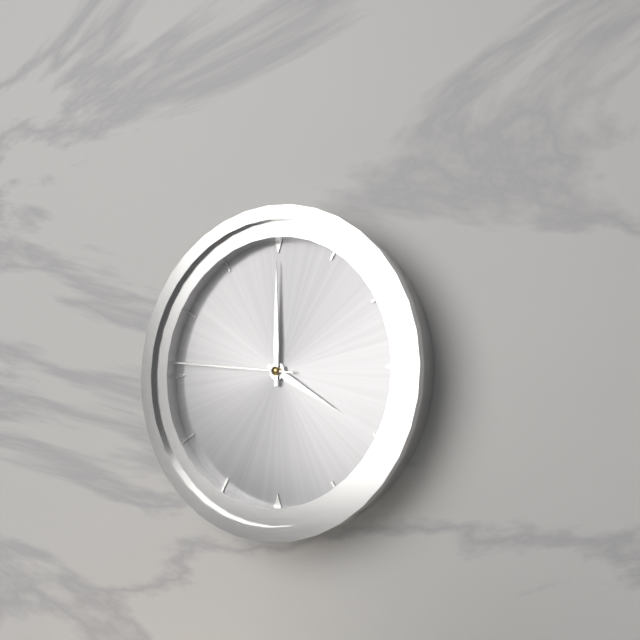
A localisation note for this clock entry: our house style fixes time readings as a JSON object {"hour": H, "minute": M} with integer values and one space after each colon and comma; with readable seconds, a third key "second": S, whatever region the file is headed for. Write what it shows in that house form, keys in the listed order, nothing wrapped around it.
{"hour": 4, "minute": 0, "second": 46}
